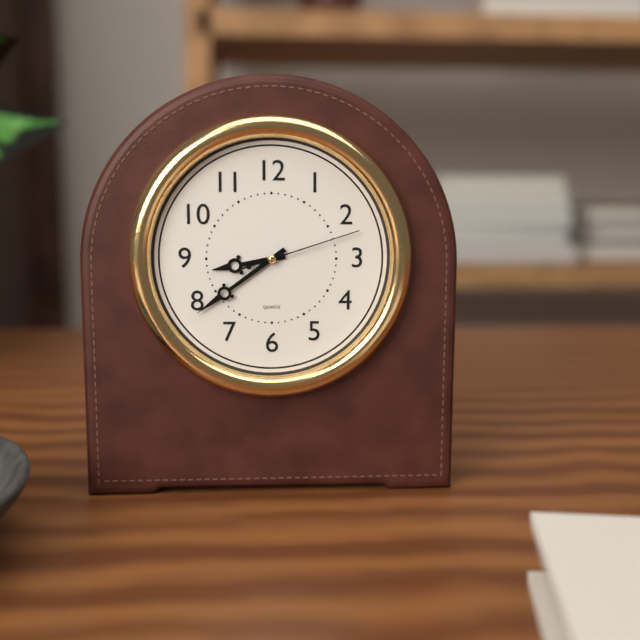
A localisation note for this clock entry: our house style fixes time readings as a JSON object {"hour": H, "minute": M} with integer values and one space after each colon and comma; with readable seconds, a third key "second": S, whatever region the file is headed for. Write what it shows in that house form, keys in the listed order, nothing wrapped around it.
{"hour": 8, "minute": 39, "second": 12}
